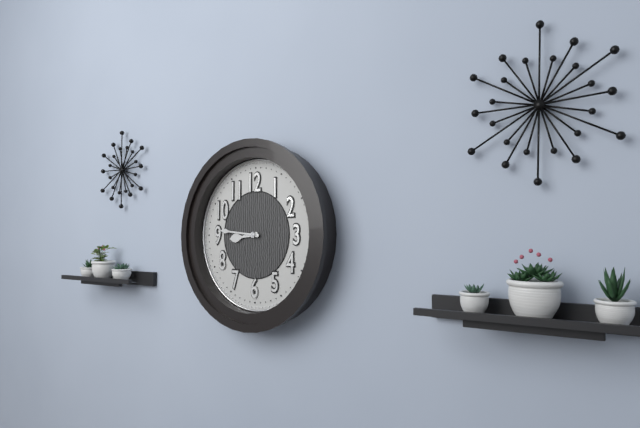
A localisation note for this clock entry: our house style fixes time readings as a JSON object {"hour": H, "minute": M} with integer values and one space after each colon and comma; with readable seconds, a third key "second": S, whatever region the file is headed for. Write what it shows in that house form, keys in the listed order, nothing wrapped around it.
{"hour": 8, "minute": 46}
